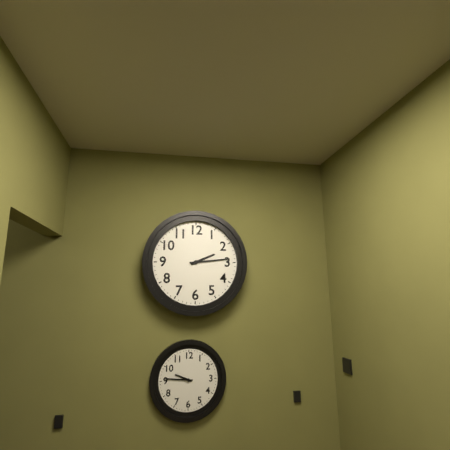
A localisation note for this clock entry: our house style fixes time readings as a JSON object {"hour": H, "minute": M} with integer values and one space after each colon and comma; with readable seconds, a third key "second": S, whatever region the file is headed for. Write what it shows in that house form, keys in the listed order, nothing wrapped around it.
{"hour": 2, "minute": 14}
